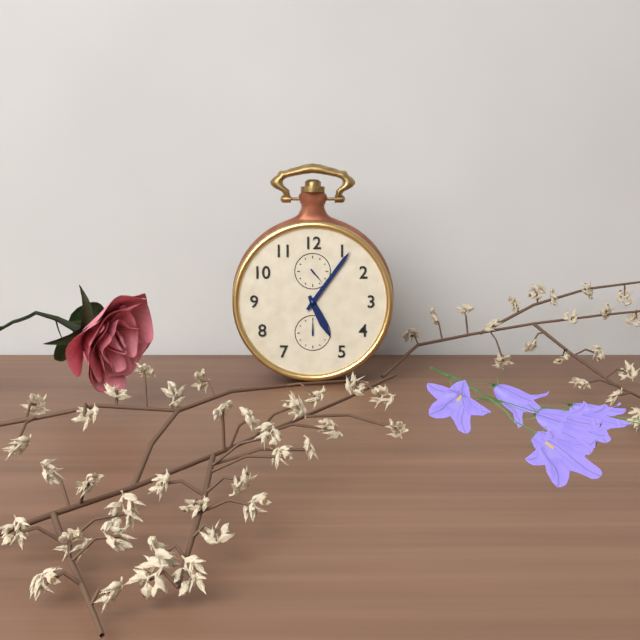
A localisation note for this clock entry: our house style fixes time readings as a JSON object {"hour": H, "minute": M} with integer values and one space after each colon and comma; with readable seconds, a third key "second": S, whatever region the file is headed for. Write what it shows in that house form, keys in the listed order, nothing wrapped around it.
{"hour": 5, "minute": 6}
